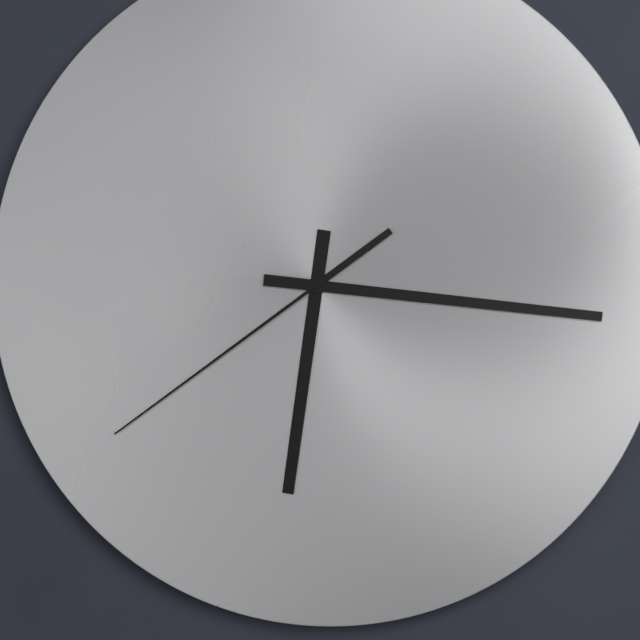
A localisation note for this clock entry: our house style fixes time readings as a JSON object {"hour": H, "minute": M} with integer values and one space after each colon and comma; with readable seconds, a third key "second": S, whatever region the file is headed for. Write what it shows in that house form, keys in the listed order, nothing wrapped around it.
{"hour": 6, "minute": 16, "second": 39}
